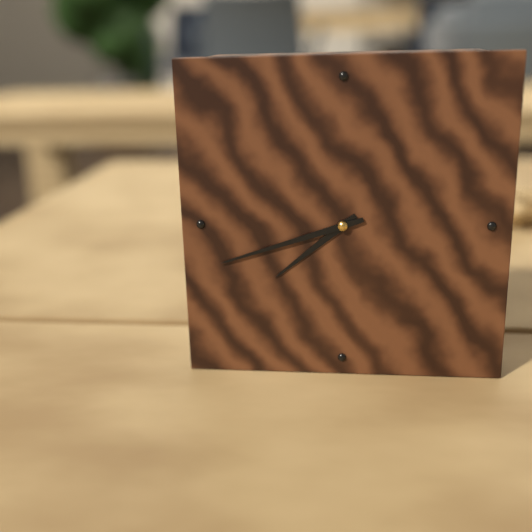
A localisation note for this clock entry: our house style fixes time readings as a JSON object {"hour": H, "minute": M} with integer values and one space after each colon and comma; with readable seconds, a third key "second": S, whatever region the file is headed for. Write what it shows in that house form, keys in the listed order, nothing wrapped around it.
{"hour": 7, "minute": 42}
